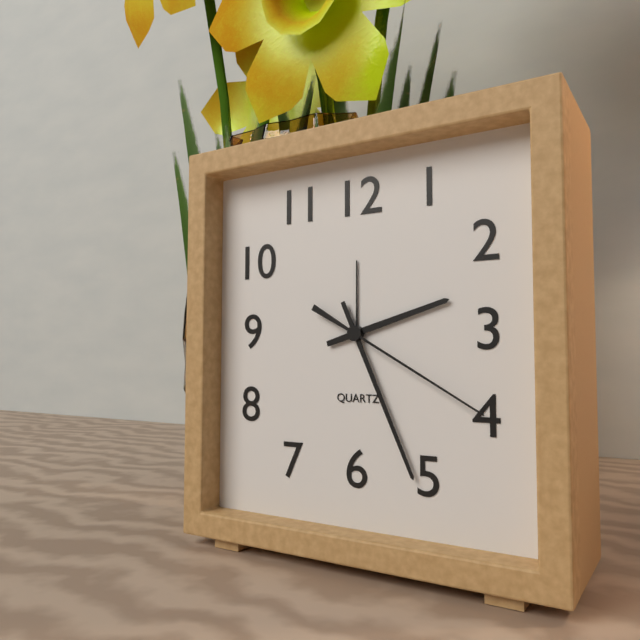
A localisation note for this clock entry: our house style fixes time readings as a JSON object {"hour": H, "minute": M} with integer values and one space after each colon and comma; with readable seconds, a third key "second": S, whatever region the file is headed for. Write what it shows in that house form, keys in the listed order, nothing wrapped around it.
{"hour": 2, "minute": 26, "second": 20}
